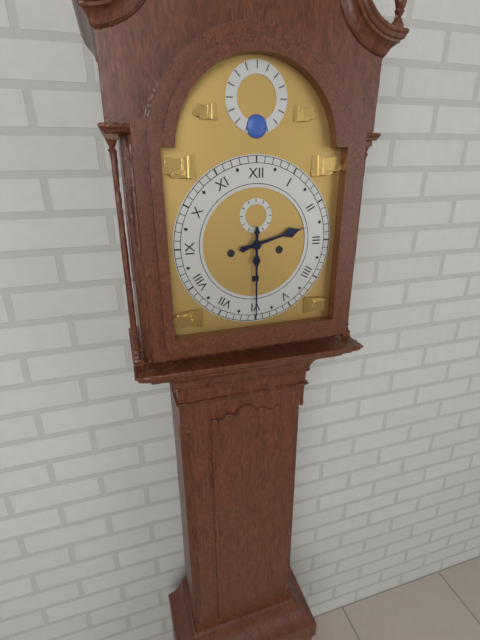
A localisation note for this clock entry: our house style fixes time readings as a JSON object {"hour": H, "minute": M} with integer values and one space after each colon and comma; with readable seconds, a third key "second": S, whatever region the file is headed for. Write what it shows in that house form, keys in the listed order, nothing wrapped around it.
{"hour": 2, "minute": 30}
